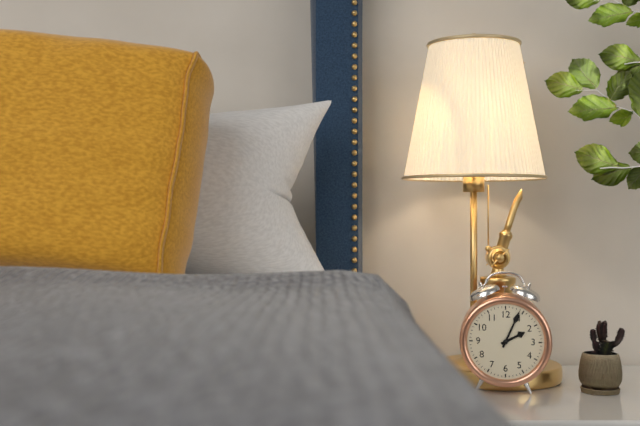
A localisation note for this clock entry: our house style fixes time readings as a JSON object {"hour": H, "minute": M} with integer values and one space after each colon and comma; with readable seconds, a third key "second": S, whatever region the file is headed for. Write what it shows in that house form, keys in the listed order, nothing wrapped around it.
{"hour": 2, "minute": 4}
